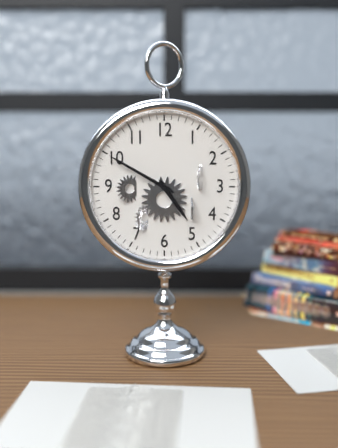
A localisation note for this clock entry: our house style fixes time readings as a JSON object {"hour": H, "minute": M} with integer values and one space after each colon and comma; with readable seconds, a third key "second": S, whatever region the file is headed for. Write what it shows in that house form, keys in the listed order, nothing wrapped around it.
{"hour": 4, "minute": 50}
